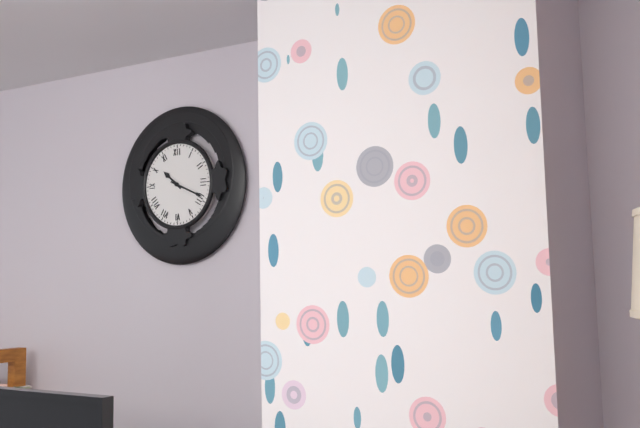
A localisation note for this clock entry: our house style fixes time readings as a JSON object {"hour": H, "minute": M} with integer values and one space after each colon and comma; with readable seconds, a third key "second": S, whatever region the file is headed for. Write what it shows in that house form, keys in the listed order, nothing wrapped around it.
{"hour": 10, "minute": 19}
